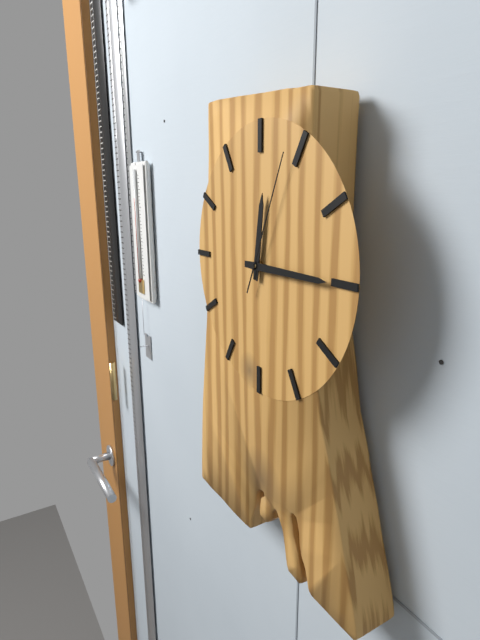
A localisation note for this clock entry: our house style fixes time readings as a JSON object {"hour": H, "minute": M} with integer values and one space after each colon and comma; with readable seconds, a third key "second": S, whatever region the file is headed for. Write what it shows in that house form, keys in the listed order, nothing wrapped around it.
{"hour": 12, "minute": 15, "second": 4}
